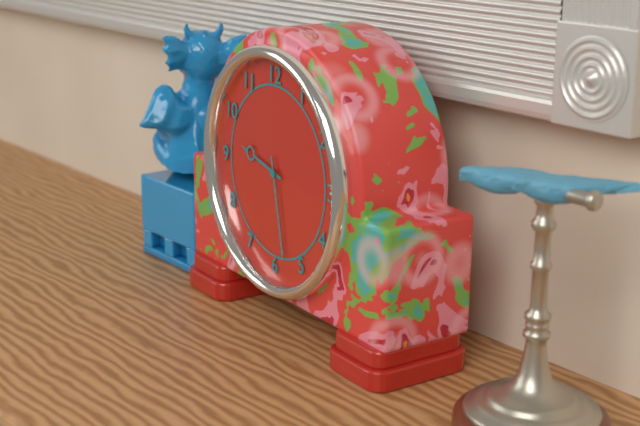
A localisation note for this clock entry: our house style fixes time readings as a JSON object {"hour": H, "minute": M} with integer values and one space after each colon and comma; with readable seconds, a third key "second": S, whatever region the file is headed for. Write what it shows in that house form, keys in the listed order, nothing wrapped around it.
{"hour": 9, "minute": 28}
